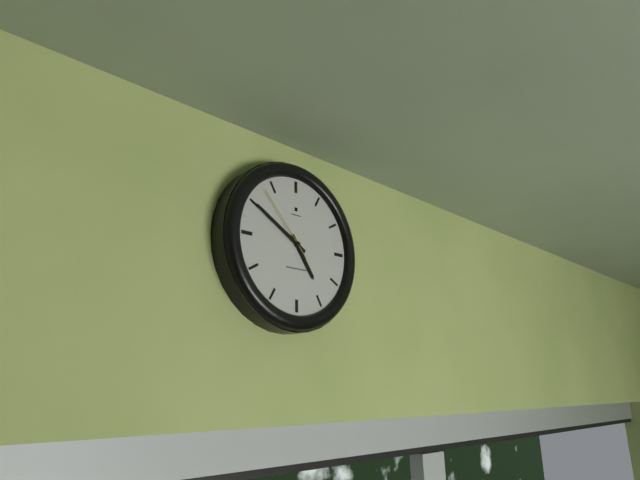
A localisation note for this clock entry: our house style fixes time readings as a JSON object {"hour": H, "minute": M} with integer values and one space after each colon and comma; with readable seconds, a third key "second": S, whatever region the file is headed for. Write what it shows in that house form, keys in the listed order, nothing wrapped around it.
{"hour": 4, "minute": 50, "second": 53}
